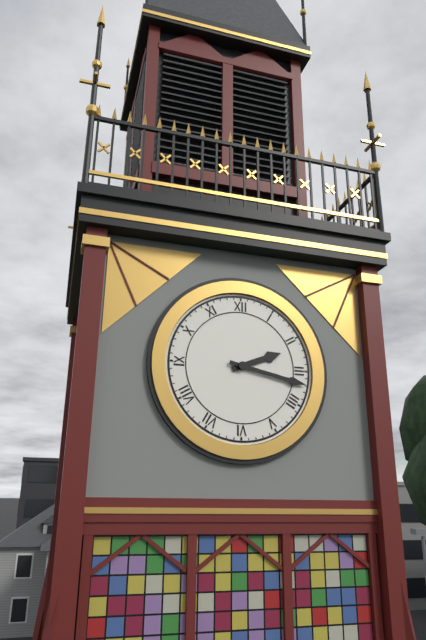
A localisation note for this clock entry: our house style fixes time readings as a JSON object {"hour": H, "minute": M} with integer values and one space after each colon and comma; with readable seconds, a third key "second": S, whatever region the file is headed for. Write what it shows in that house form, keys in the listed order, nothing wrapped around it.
{"hour": 2, "minute": 17}
